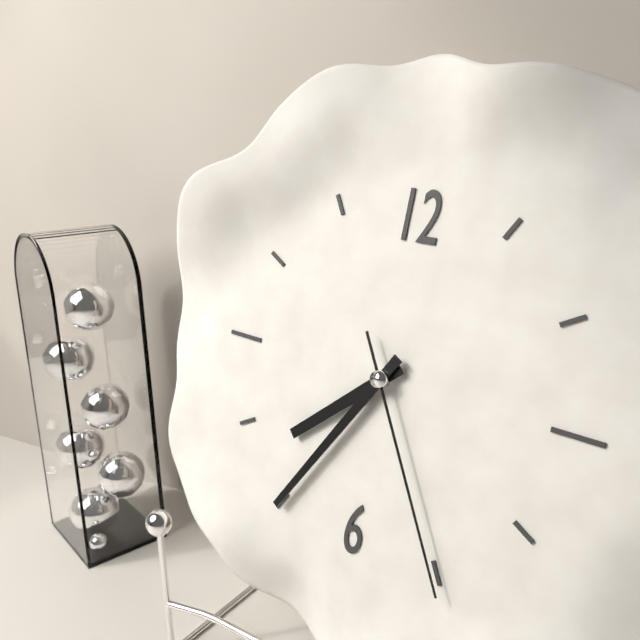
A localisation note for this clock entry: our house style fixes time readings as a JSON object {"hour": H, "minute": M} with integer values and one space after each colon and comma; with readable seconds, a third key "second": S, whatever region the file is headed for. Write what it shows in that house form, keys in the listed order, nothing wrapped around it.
{"hour": 7, "minute": 35, "second": 25}
